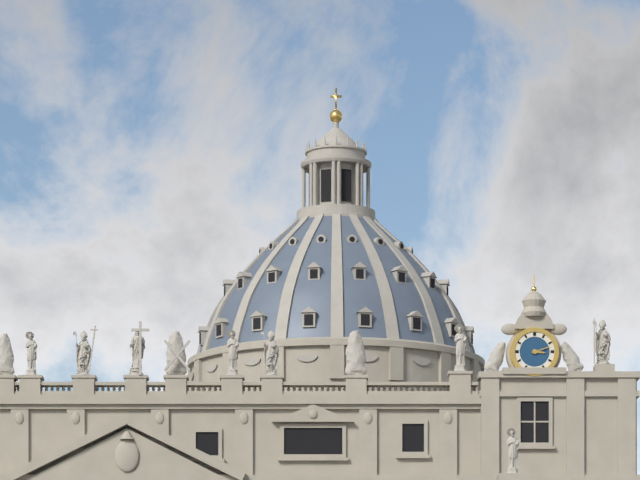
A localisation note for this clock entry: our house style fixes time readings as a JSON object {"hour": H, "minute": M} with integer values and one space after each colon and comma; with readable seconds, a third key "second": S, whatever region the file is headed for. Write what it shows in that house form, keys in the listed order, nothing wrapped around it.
{"hour": 3, "minute": 12}
